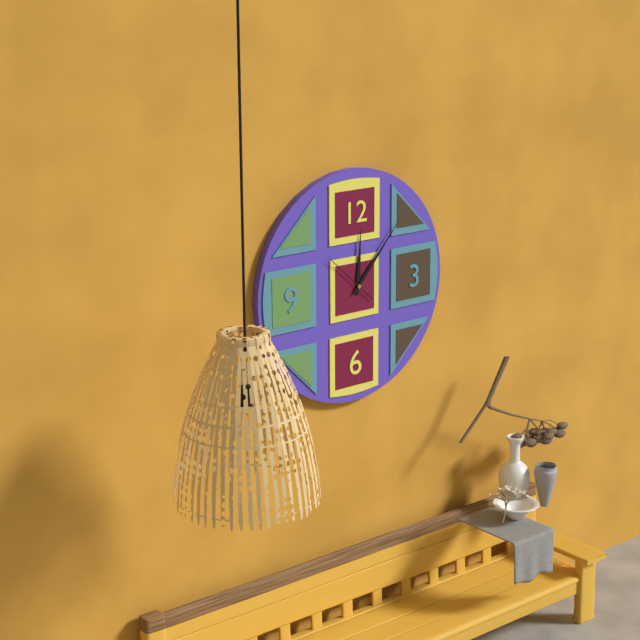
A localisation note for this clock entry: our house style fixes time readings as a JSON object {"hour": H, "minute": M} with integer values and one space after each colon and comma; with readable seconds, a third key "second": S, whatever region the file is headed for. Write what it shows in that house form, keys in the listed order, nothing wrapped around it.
{"hour": 12, "minute": 7, "second": 52}
